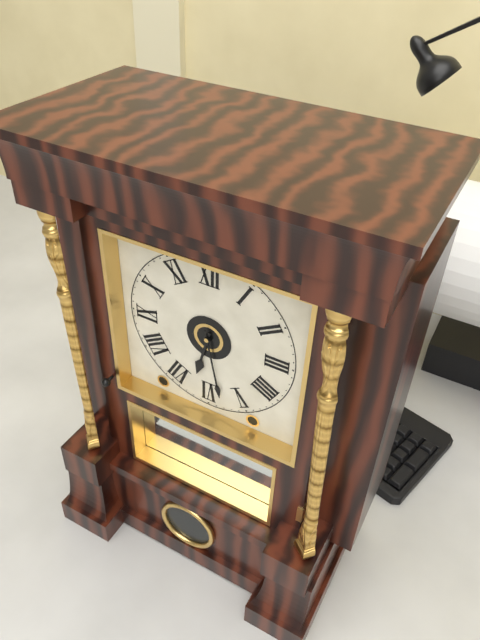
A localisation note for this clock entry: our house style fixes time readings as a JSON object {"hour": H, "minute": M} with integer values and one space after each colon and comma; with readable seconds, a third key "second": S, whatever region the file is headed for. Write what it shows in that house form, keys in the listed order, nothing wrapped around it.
{"hour": 6, "minute": 28}
